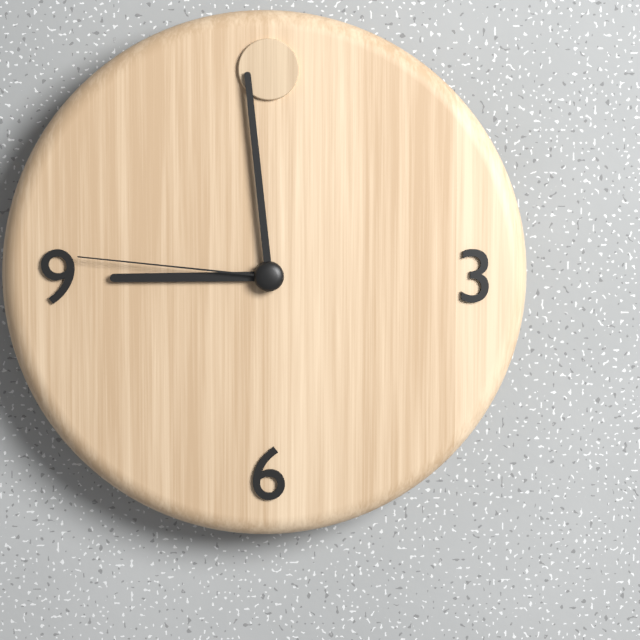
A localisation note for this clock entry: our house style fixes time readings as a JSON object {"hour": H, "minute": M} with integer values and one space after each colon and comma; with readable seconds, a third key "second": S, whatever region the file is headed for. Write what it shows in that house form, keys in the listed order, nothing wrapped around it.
{"hour": 8, "minute": 59, "second": 46}
